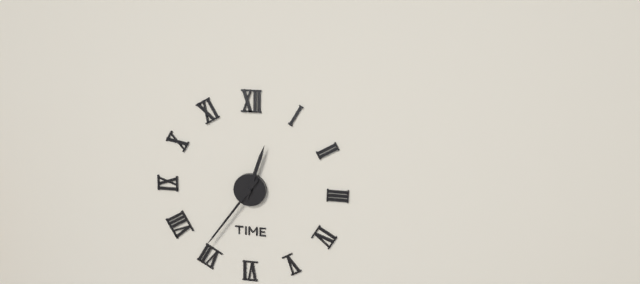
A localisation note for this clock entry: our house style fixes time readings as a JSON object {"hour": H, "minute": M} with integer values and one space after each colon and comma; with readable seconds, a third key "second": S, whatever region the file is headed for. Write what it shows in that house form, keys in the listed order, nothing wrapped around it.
{"hour": 12, "minute": 36}
